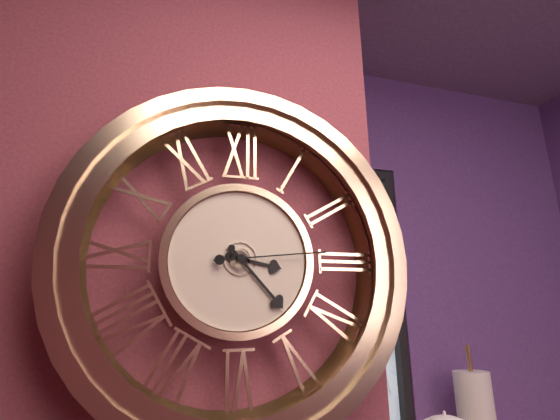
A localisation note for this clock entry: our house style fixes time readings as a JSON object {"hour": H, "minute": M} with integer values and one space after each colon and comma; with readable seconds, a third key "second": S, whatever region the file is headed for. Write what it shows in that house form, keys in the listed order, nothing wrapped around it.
{"hour": 3, "minute": 23, "second": 14}
